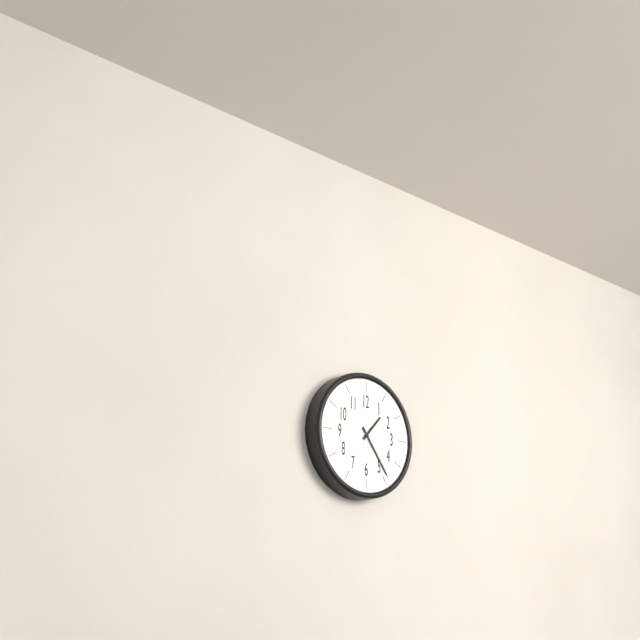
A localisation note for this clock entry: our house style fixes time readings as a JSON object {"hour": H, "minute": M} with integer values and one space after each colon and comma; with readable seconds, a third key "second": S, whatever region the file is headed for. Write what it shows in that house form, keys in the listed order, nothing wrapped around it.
{"hour": 1, "minute": 24}
